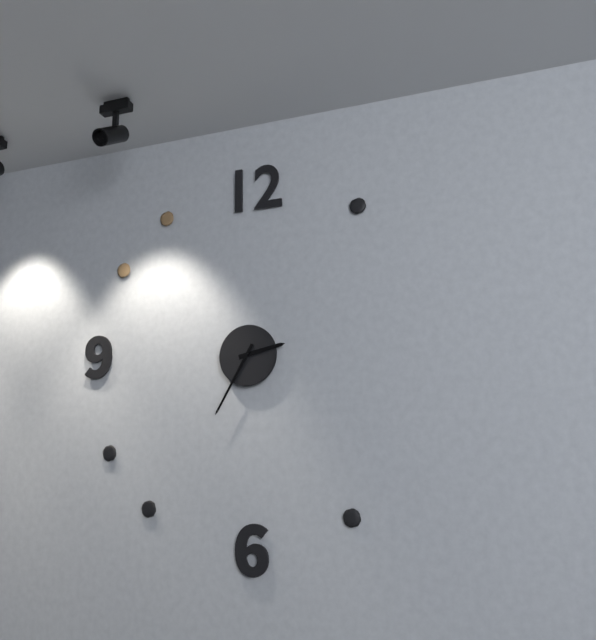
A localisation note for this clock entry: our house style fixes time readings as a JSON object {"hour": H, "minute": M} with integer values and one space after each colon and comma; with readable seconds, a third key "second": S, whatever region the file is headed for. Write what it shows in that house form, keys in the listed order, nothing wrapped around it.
{"hour": 2, "minute": 35}
